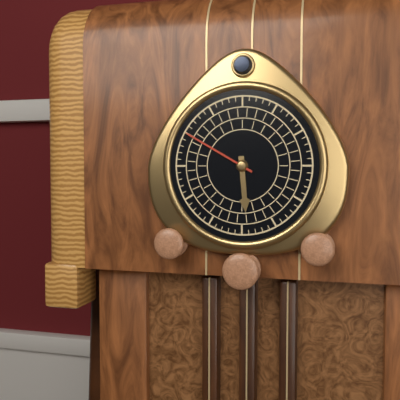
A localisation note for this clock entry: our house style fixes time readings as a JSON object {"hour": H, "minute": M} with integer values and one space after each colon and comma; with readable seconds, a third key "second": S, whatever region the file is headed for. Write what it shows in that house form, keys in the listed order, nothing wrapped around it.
{"hour": 5, "minute": 50}
